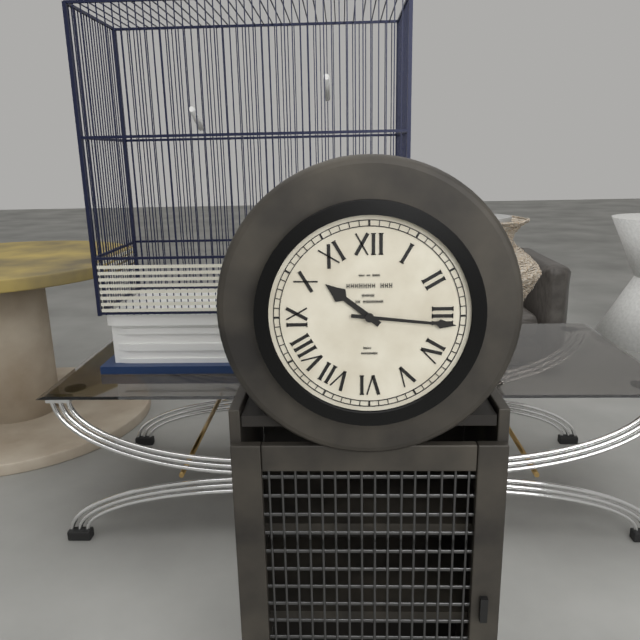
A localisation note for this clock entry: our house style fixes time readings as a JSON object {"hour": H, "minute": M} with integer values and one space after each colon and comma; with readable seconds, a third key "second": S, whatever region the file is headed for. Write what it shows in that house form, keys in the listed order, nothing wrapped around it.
{"hour": 10, "minute": 16}
